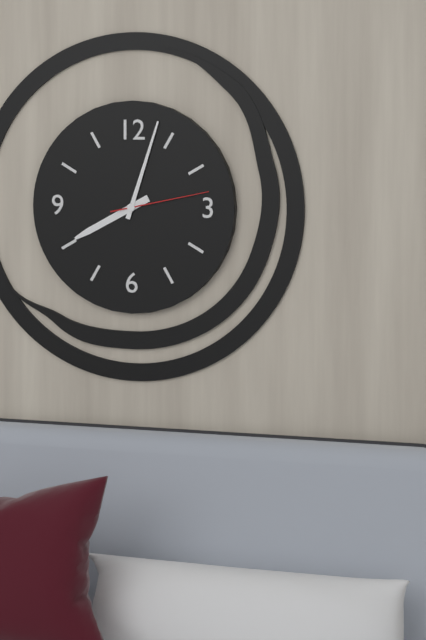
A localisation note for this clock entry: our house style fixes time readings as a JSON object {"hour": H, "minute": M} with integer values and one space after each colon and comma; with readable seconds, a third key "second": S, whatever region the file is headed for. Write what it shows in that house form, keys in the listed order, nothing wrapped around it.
{"hour": 8, "minute": 3, "second": 13}
